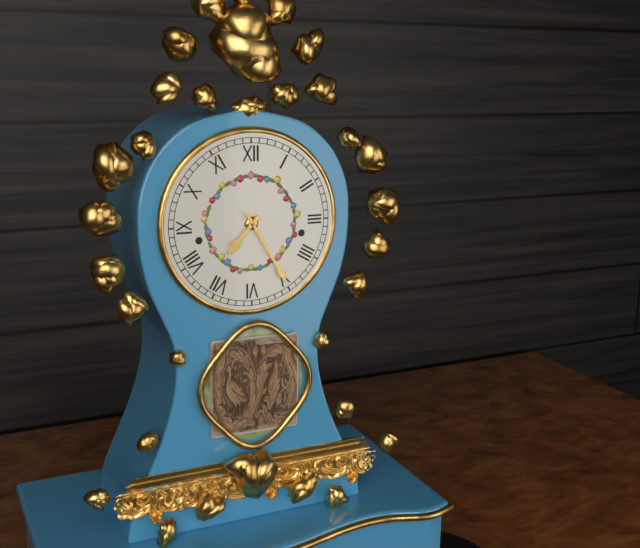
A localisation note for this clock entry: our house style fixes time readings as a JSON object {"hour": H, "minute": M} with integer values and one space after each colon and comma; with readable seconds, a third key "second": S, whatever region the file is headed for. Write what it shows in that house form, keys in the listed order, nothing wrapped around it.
{"hour": 7, "minute": 25}
